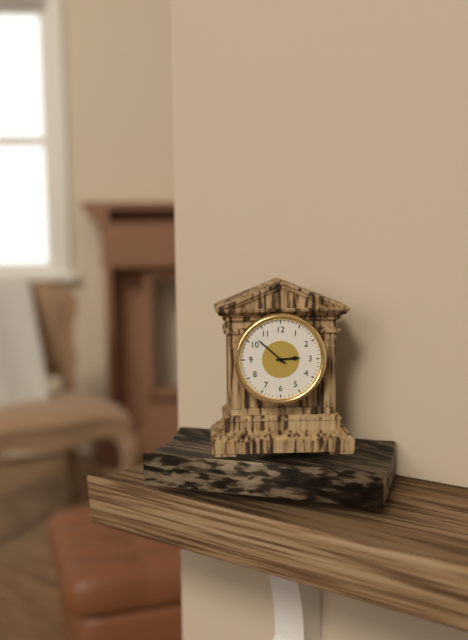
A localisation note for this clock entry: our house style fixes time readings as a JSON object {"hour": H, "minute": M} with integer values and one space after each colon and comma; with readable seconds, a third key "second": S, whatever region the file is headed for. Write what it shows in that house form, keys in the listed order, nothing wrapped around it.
{"hour": 2, "minute": 52}
